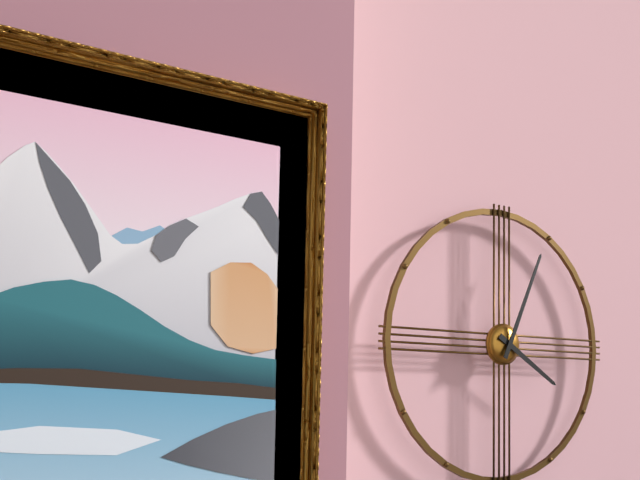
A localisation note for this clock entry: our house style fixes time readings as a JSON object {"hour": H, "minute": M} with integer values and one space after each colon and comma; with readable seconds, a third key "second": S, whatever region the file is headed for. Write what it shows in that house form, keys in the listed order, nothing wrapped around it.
{"hour": 4, "minute": 4}
